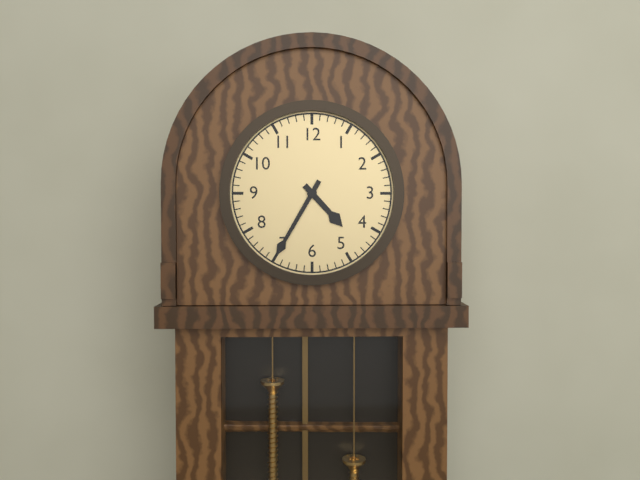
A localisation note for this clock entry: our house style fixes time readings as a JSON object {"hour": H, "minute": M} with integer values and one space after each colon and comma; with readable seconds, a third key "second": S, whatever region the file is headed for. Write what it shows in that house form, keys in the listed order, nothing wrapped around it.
{"hour": 4, "minute": 35}
